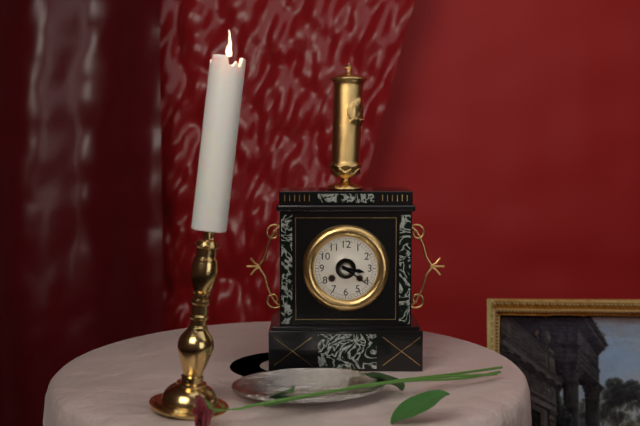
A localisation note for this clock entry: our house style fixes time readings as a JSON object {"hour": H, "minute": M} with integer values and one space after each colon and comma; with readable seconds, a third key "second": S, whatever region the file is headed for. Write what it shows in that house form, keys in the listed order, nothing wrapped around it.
{"hour": 3, "minute": 21}
